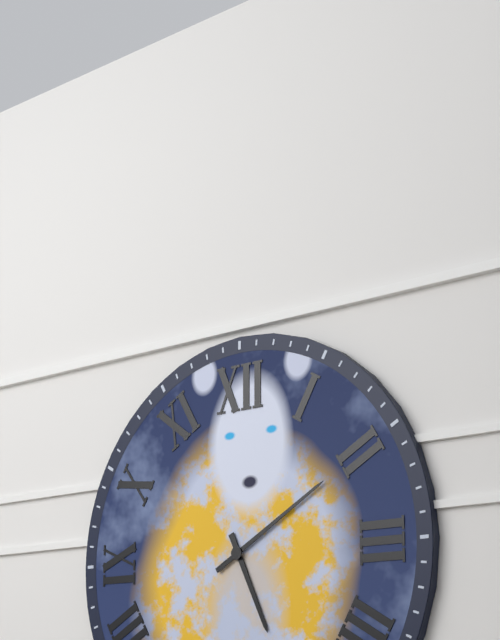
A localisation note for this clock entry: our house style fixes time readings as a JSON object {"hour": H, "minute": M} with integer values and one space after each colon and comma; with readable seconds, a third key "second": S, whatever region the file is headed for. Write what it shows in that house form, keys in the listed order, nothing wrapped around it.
{"hour": 5, "minute": 10}
